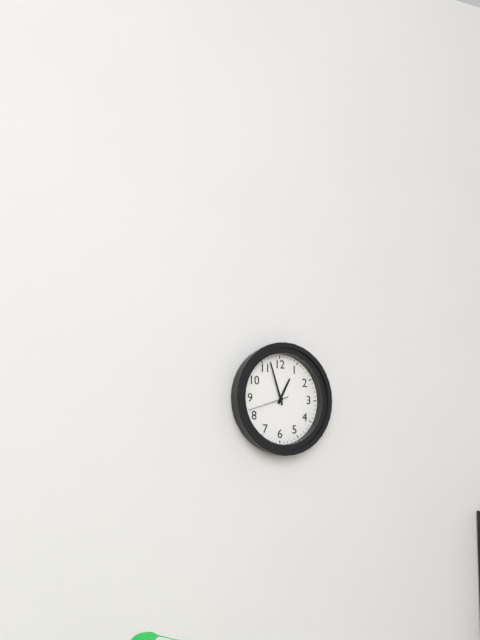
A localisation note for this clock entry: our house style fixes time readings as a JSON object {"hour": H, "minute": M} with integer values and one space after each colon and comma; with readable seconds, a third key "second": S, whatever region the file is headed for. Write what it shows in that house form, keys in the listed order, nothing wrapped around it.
{"hour": 12, "minute": 57}
